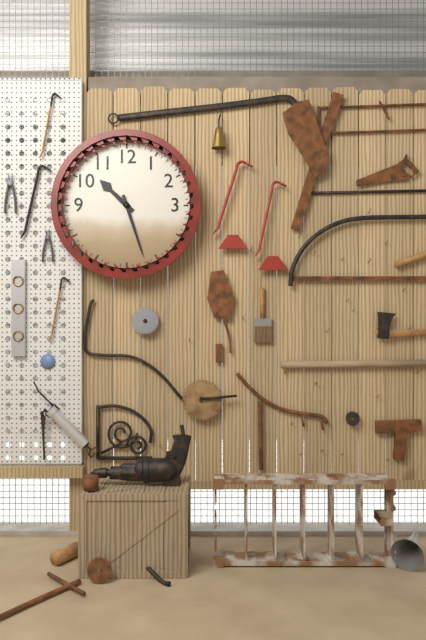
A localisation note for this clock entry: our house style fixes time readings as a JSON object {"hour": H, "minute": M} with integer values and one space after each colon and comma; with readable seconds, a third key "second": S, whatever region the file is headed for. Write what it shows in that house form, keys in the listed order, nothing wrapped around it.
{"hour": 10, "minute": 27}
